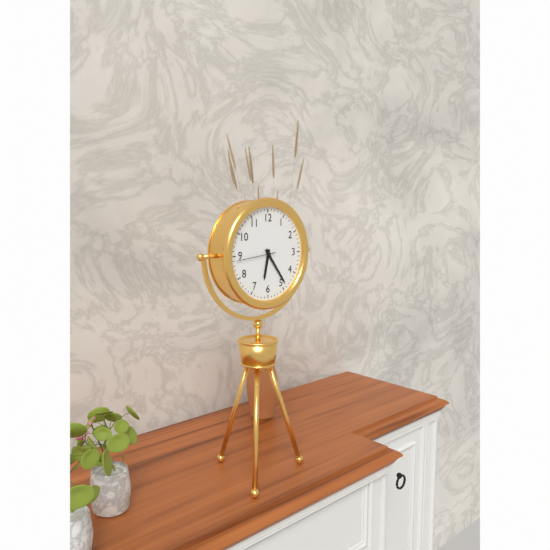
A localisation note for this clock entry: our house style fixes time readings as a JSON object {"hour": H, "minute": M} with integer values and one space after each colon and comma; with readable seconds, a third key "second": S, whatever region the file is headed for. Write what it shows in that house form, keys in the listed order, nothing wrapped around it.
{"hour": 6, "minute": 24}
